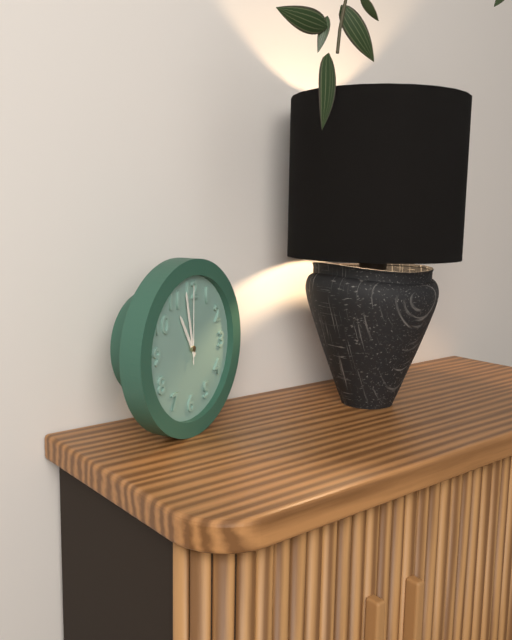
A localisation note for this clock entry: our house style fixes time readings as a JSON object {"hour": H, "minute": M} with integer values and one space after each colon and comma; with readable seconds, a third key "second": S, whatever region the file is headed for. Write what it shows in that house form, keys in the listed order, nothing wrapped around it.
{"hour": 10, "minute": 58, "second": 0}
